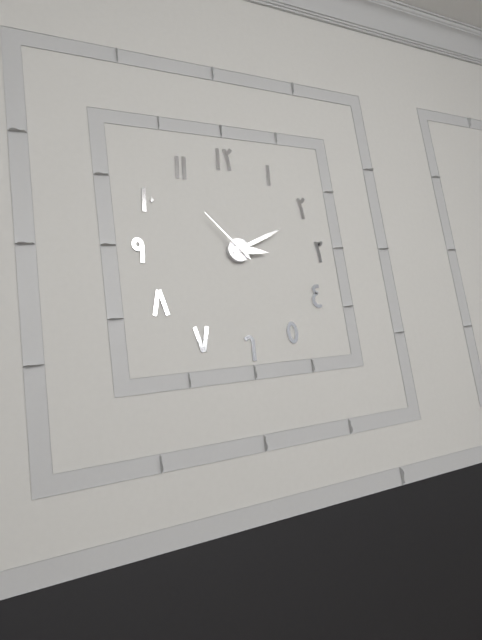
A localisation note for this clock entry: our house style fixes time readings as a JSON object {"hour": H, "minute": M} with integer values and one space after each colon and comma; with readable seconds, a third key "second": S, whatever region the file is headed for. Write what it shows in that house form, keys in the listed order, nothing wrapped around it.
{"hour": 3, "minute": 11, "second": 53}
